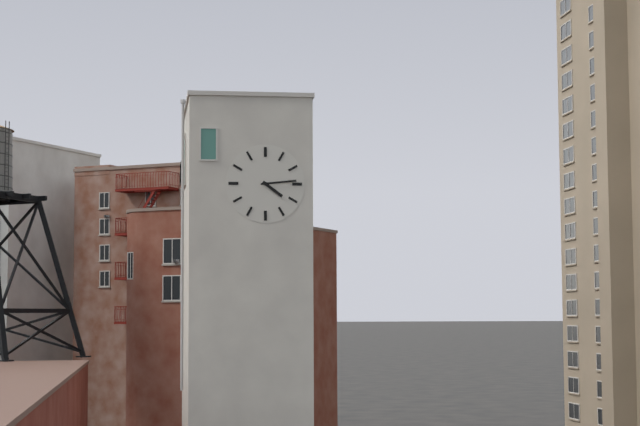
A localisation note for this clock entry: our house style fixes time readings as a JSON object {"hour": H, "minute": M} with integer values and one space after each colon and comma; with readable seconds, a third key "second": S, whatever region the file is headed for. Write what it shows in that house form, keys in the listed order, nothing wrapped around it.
{"hour": 4, "minute": 14}
